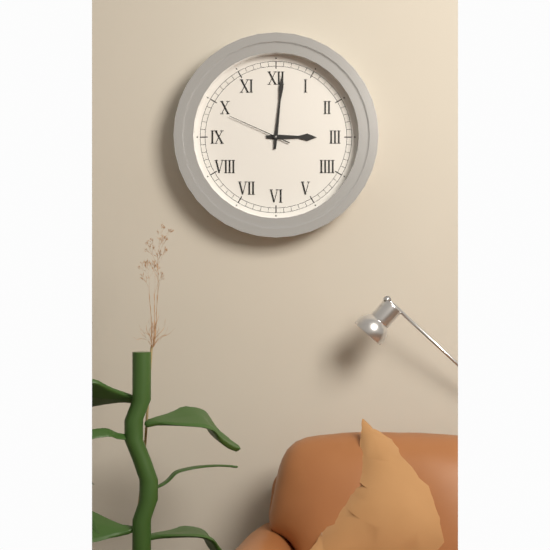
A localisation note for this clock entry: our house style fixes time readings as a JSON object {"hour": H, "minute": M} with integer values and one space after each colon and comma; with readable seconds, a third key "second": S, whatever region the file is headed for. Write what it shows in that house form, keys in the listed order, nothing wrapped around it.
{"hour": 3, "minute": 1, "second": 49}
